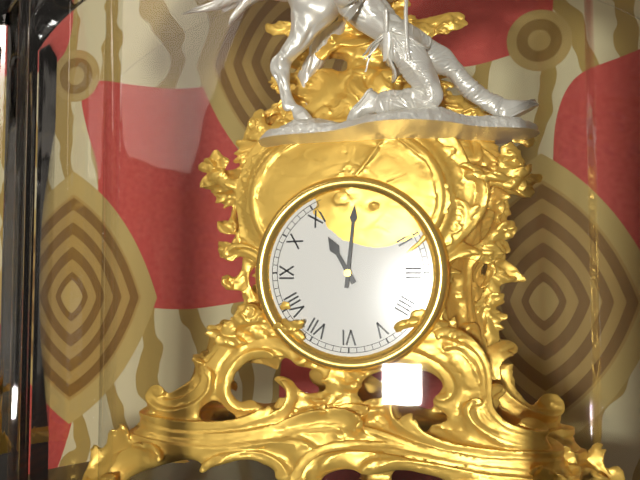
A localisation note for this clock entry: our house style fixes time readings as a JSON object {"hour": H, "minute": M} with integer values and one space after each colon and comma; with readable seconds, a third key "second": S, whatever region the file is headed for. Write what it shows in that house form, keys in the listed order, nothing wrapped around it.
{"hour": 11, "minute": 1}
